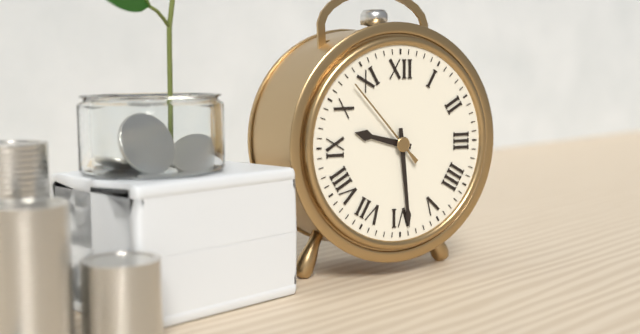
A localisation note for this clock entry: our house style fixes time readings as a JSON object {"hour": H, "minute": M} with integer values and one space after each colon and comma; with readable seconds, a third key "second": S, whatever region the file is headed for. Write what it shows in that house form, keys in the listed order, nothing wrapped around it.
{"hour": 9, "minute": 29, "second": 53}
